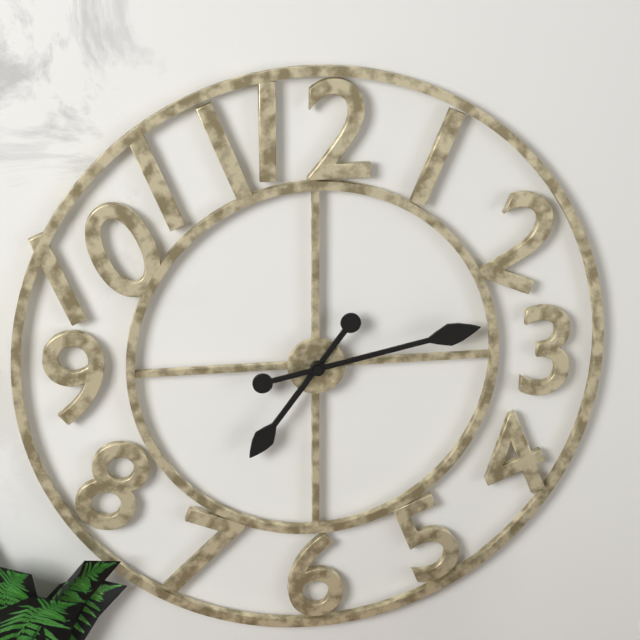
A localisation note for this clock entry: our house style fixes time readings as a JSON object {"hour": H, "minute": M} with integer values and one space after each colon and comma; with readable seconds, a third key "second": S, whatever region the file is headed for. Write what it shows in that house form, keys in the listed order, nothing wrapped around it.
{"hour": 7, "minute": 13}
